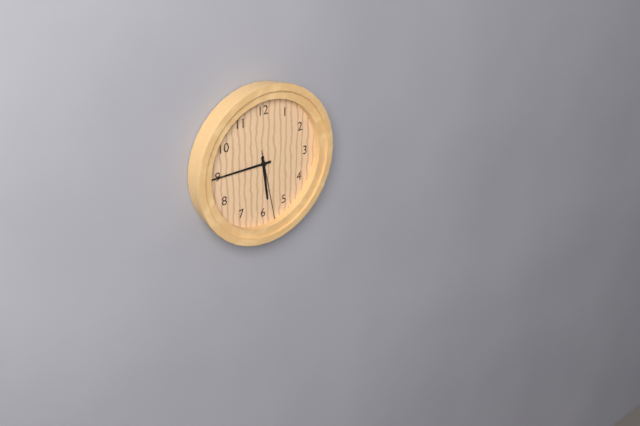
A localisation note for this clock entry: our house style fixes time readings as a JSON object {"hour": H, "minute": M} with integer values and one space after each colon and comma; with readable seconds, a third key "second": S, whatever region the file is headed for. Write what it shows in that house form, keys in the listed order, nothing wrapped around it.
{"hour": 5, "minute": 45, "second": 28}
